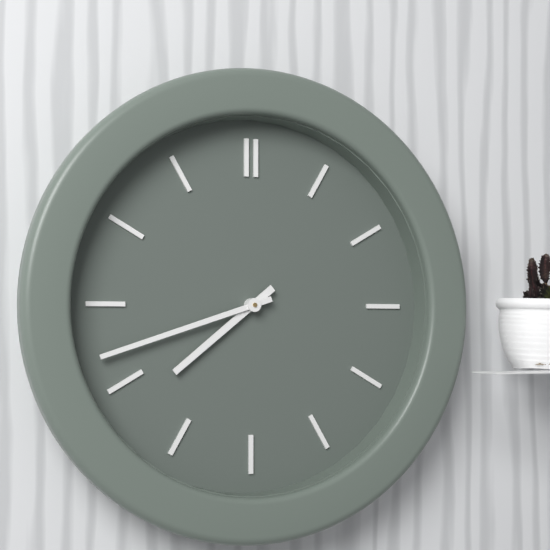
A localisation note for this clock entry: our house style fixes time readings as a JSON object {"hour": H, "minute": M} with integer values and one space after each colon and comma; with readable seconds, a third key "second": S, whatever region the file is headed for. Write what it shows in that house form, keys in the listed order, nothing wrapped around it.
{"hour": 7, "minute": 42}
